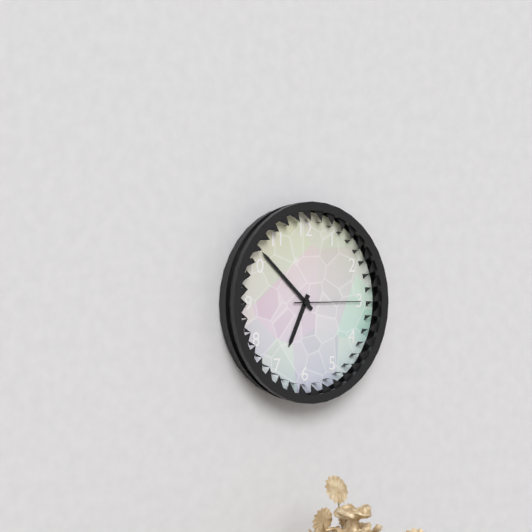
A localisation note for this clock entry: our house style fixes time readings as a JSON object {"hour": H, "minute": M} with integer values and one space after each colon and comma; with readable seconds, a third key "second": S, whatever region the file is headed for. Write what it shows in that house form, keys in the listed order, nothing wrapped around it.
{"hour": 6, "minute": 52, "second": 15}
